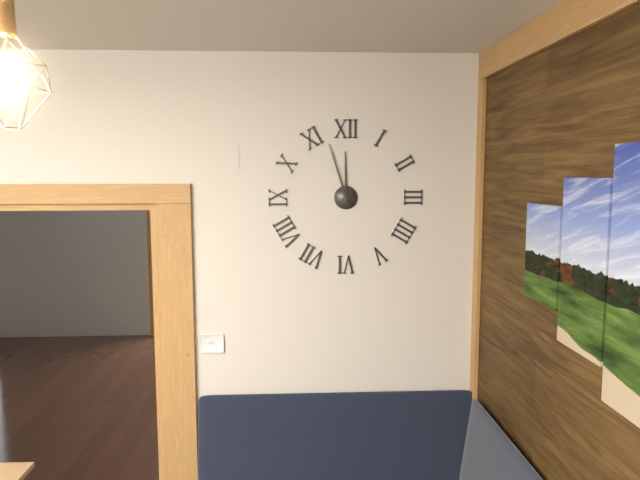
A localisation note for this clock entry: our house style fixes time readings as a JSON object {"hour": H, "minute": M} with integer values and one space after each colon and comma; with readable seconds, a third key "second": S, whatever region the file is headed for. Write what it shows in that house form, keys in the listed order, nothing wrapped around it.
{"hour": 11, "minute": 57}
